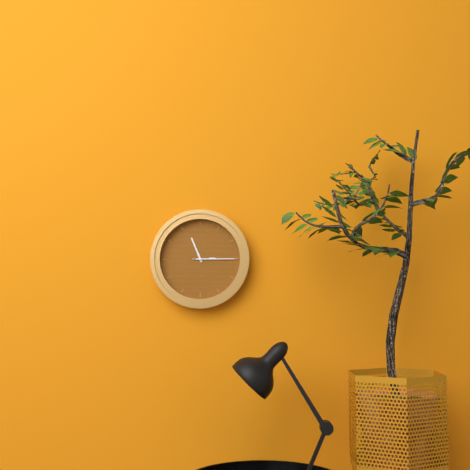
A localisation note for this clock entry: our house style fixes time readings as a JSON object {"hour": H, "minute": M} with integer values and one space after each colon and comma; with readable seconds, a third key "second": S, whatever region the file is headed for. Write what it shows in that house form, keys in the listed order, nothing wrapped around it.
{"hour": 11, "minute": 15}
